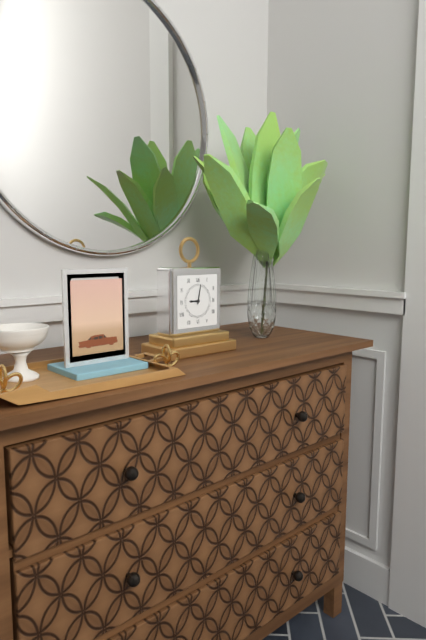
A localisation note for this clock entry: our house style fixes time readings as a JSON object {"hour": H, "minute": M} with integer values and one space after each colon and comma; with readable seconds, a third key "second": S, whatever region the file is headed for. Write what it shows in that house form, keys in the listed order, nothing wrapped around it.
{"hour": 9, "minute": 2}
